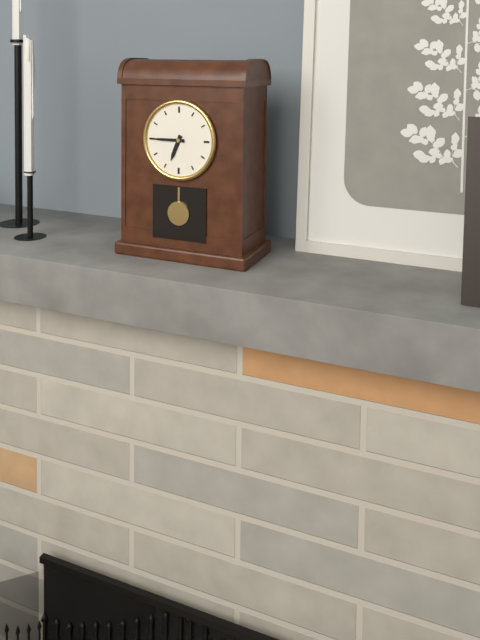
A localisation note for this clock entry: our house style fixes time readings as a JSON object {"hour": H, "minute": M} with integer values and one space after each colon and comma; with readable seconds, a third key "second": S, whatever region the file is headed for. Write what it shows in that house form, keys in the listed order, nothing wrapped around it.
{"hour": 6, "minute": 45}
